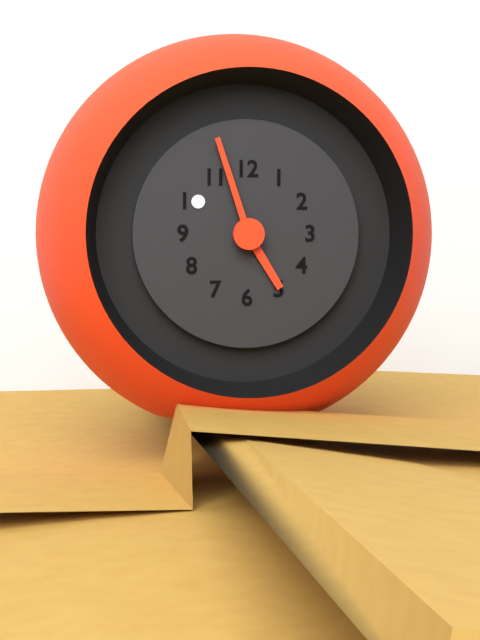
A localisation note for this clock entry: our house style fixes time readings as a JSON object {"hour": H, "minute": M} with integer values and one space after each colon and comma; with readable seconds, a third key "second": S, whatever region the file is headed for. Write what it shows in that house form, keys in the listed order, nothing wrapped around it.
{"hour": 4, "minute": 57}
